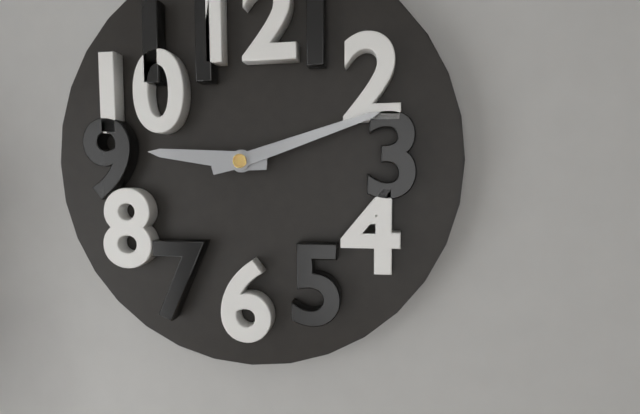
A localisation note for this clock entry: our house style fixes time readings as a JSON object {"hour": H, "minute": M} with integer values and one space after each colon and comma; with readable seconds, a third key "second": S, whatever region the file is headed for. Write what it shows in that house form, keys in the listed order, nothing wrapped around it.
{"hour": 9, "minute": 12}
